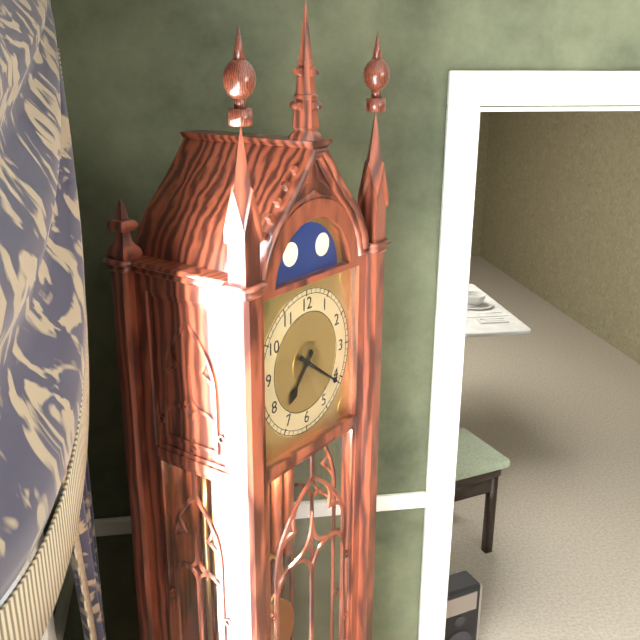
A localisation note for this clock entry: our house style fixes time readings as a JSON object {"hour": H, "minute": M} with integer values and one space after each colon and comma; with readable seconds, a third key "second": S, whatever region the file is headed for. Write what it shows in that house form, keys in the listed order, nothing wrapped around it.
{"hour": 7, "minute": 21}
